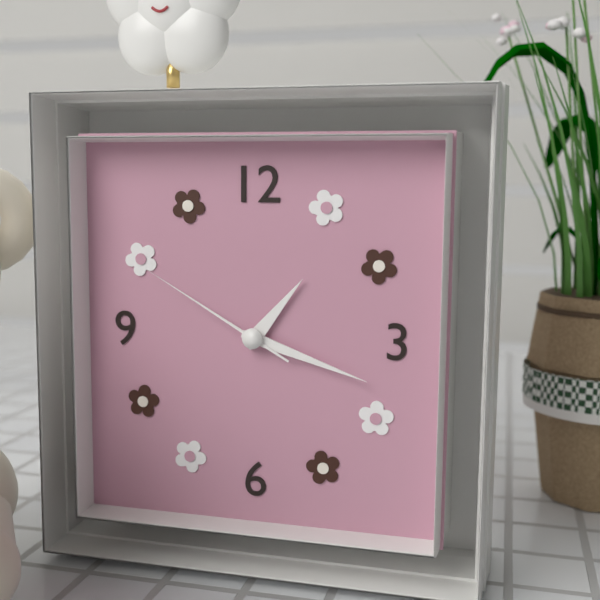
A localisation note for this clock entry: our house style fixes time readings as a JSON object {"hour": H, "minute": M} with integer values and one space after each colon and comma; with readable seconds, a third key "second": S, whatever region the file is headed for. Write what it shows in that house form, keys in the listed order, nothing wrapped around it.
{"hour": 1, "minute": 18, "second": 50}
